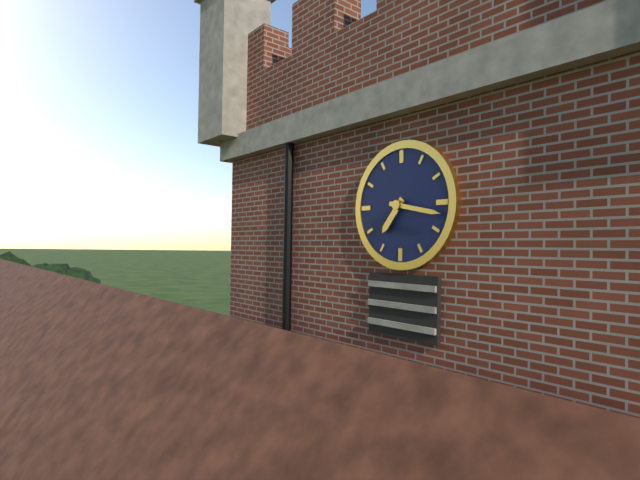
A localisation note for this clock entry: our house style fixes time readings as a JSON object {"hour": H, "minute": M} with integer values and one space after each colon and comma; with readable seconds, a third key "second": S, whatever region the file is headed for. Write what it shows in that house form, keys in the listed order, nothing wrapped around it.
{"hour": 7, "minute": 17}
